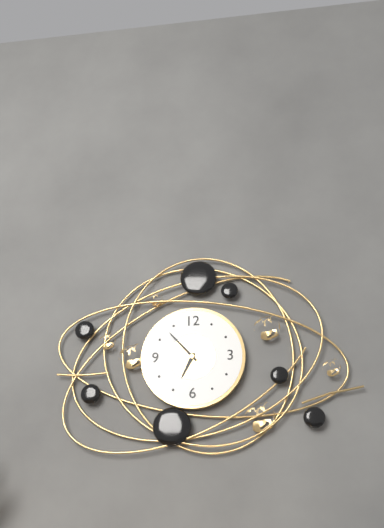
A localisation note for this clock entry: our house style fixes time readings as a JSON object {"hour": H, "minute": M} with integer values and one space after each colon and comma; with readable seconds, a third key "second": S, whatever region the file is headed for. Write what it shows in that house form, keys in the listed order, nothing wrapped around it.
{"hour": 6, "minute": 53}
